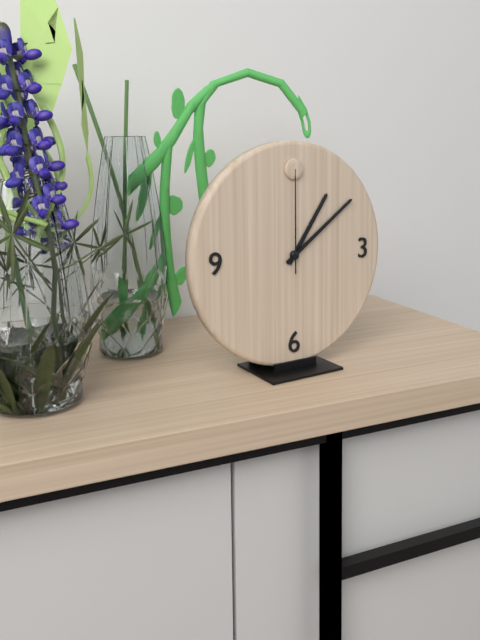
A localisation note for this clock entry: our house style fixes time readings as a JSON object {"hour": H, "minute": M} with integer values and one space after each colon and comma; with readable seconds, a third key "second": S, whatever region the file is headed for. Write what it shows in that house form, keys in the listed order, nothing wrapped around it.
{"hour": 1, "minute": 9, "second": 0}
